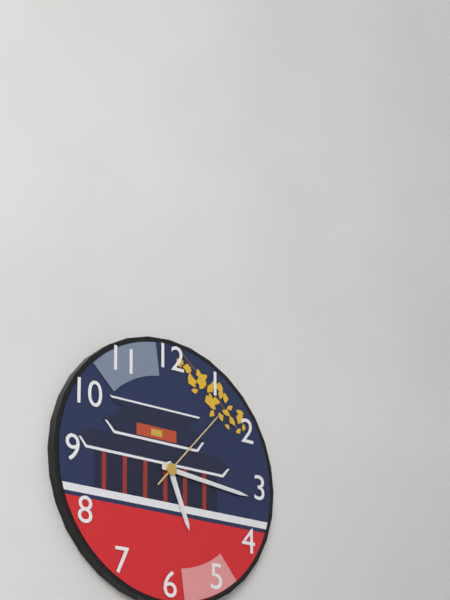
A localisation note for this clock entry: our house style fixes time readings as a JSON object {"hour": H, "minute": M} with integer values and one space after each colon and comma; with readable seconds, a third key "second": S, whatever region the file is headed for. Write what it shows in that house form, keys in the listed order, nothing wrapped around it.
{"hour": 5, "minute": 16, "second": 7}
